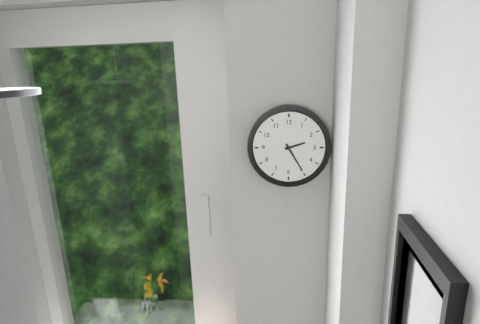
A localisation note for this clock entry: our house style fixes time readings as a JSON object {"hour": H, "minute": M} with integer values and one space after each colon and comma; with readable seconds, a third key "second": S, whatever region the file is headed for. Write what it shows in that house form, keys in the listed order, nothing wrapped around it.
{"hour": 2, "minute": 25}
